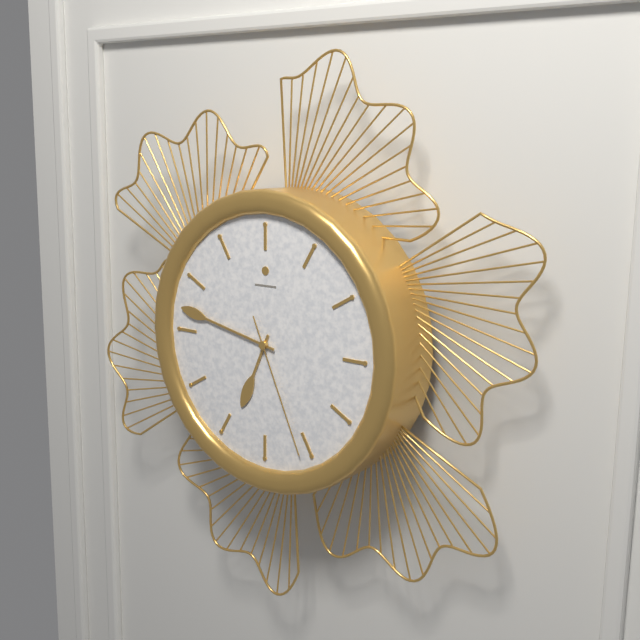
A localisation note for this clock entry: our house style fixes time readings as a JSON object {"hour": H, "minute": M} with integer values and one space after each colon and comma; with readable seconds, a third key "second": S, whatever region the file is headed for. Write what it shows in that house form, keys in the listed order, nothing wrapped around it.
{"hour": 6, "minute": 47, "second": 26}
